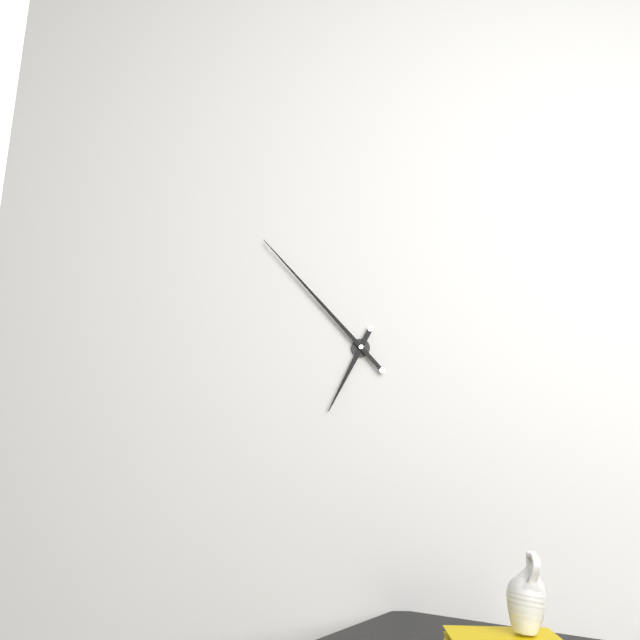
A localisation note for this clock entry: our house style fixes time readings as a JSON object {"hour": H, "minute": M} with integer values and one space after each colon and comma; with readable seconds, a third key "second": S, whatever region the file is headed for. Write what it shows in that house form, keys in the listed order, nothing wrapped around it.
{"hour": 6, "minute": 53}
